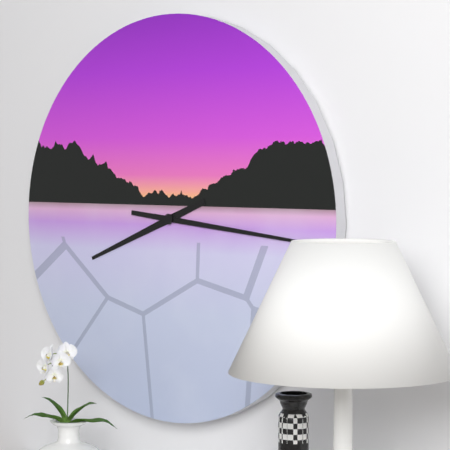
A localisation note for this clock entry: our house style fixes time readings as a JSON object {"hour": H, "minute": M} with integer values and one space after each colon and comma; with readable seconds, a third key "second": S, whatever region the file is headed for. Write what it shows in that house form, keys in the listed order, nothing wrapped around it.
{"hour": 8, "minute": 16}
